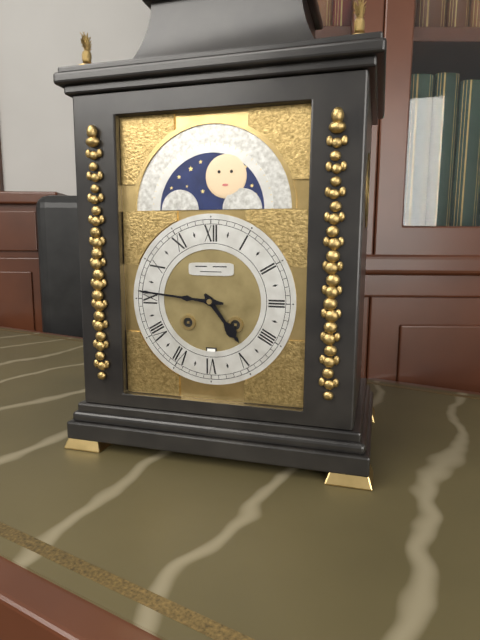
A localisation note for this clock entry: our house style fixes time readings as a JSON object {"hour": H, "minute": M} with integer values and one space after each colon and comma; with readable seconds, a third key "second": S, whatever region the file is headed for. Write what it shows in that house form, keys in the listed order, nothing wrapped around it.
{"hour": 4, "minute": 46}
